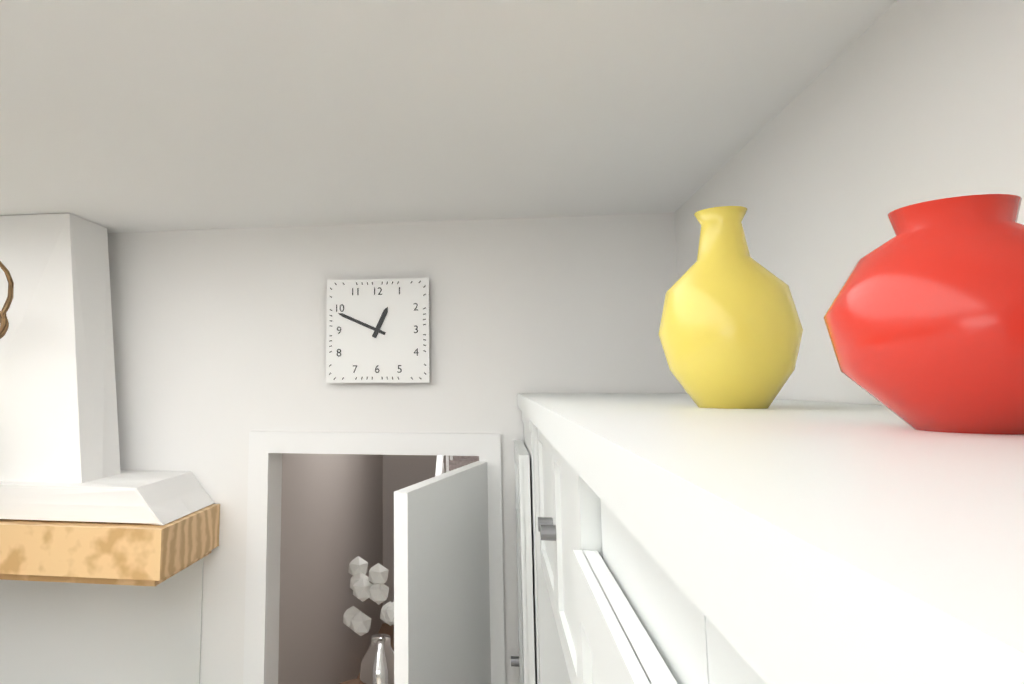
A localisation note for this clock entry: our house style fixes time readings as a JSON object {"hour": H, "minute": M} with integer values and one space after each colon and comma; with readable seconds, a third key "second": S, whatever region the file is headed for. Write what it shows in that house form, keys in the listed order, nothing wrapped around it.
{"hour": 12, "minute": 49}
